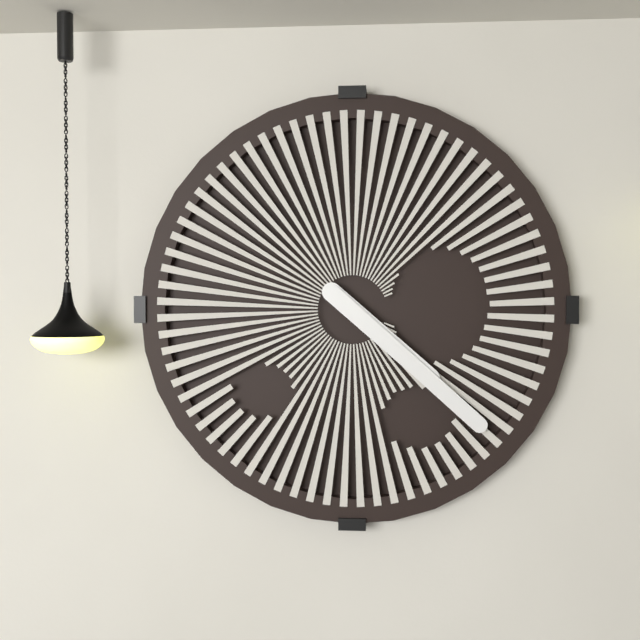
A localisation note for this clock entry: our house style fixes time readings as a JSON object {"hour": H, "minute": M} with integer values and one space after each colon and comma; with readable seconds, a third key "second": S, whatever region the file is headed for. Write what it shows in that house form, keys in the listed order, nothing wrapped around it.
{"hour": 4, "minute": 22}
